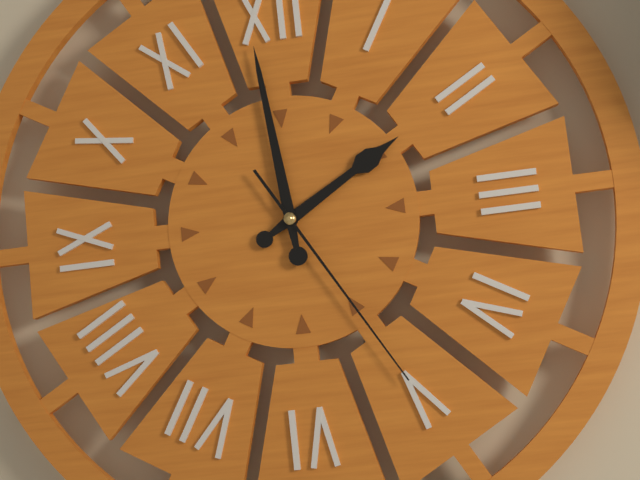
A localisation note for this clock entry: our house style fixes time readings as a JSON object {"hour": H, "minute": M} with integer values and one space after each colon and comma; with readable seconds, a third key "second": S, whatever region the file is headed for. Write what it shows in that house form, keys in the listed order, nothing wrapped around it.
{"hour": 1, "minute": 59, "second": 25}
